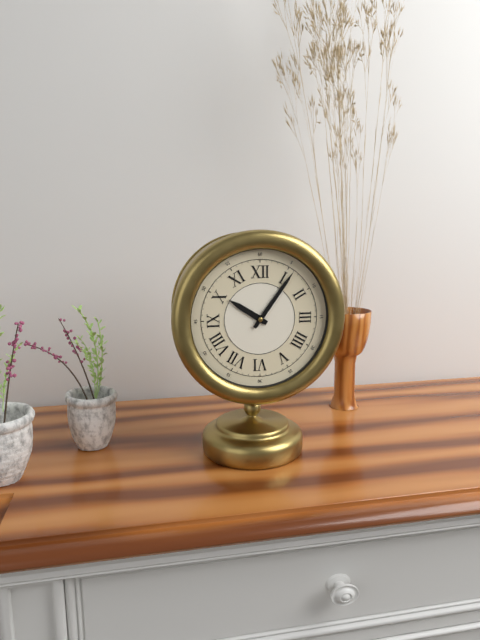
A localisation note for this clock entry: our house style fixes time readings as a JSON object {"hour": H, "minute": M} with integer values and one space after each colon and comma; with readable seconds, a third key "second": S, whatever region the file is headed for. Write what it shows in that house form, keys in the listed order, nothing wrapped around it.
{"hour": 10, "minute": 6}
